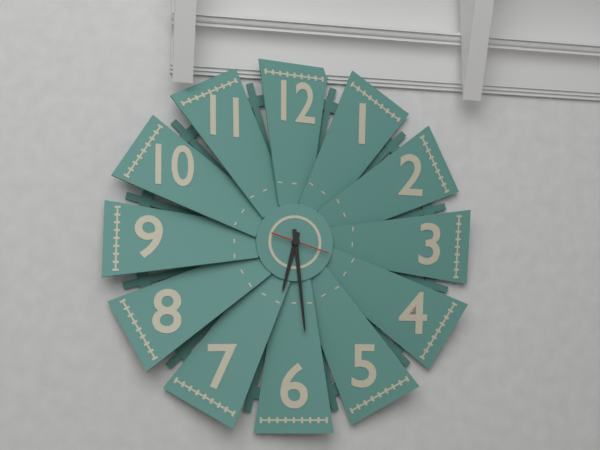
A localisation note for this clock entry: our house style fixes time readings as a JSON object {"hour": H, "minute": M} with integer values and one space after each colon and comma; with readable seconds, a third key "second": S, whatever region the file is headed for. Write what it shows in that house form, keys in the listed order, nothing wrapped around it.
{"hour": 6, "minute": 29}
